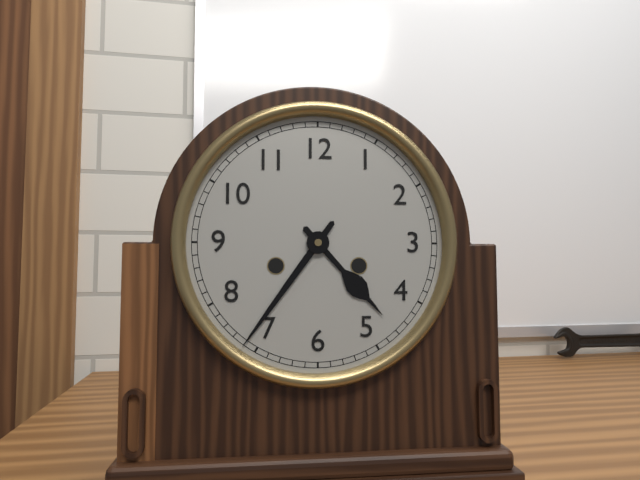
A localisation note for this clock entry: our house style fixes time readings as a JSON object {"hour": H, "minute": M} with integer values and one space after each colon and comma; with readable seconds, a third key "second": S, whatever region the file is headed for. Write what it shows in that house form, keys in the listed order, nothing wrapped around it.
{"hour": 4, "minute": 36}
